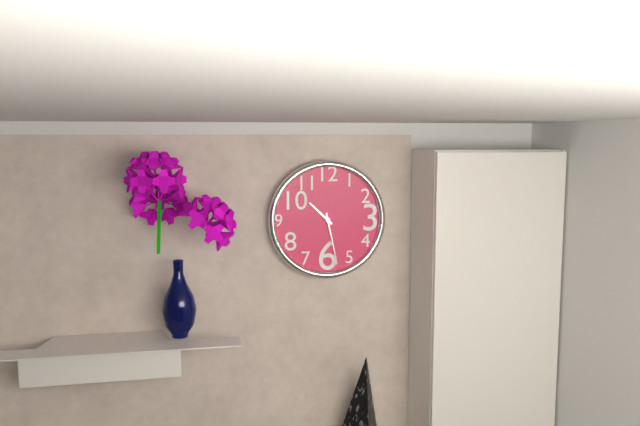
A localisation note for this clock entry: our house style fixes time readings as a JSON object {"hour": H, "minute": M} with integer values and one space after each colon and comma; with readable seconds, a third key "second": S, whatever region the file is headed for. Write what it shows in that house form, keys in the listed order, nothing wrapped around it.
{"hour": 10, "minute": 28}
